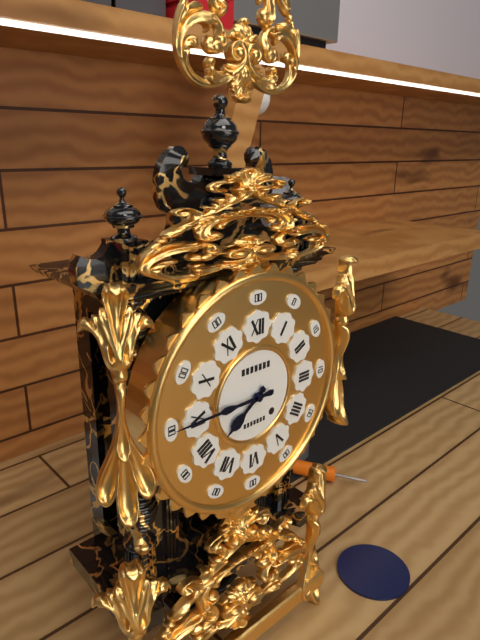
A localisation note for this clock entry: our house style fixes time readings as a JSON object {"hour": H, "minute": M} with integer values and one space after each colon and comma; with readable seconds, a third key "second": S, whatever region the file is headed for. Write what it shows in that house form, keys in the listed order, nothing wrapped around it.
{"hour": 7, "minute": 45}
